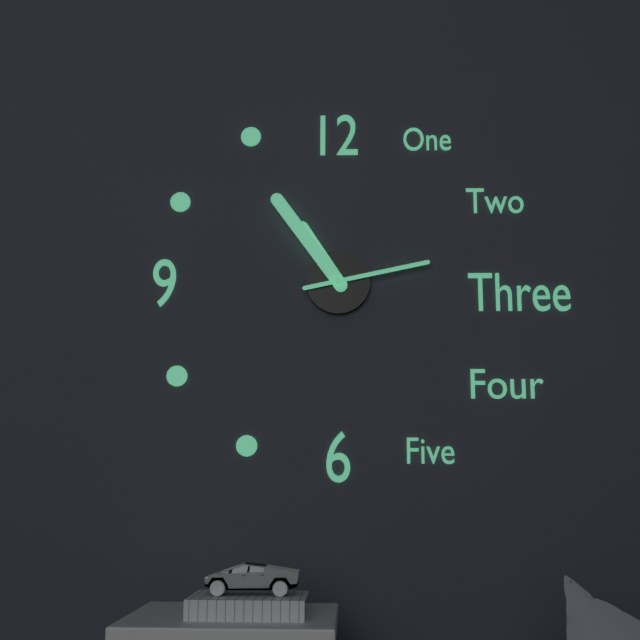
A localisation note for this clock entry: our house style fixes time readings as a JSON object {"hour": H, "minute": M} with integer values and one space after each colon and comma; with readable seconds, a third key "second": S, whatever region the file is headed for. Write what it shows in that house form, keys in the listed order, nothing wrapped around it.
{"hour": 10, "minute": 54, "second": 13}
